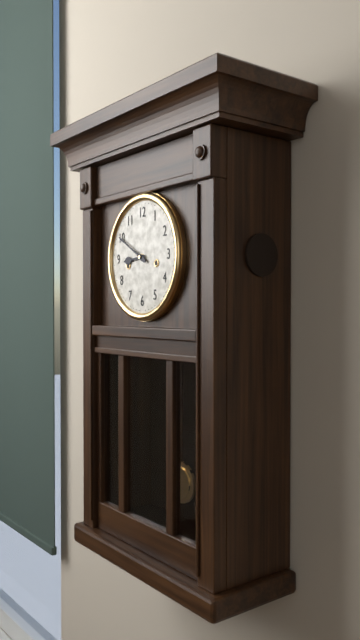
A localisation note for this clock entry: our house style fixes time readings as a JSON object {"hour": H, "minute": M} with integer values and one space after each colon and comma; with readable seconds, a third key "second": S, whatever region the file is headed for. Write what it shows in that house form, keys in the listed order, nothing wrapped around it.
{"hour": 8, "minute": 50}
